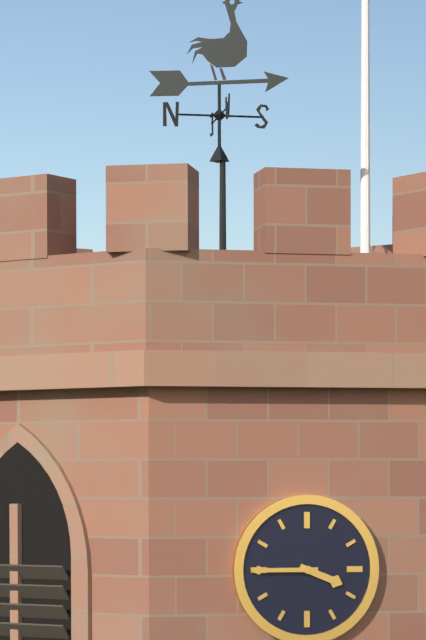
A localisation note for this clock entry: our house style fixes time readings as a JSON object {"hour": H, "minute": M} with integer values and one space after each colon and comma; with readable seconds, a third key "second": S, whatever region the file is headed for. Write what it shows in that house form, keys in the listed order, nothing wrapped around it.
{"hour": 3, "minute": 45}
